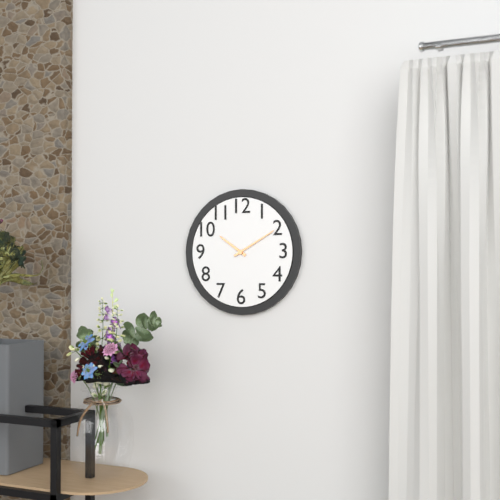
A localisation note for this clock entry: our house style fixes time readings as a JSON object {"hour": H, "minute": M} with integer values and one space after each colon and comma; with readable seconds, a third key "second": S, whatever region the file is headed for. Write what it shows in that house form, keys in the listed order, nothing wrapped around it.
{"hour": 10, "minute": 10}
